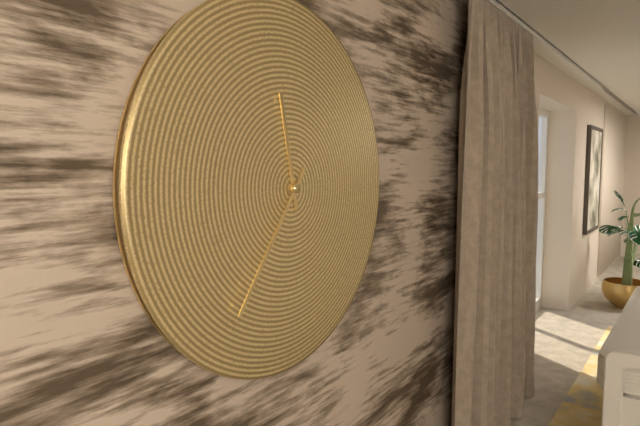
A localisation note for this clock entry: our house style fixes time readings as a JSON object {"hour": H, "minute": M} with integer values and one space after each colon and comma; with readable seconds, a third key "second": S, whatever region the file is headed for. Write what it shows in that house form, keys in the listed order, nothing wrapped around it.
{"hour": 11, "minute": 36}
